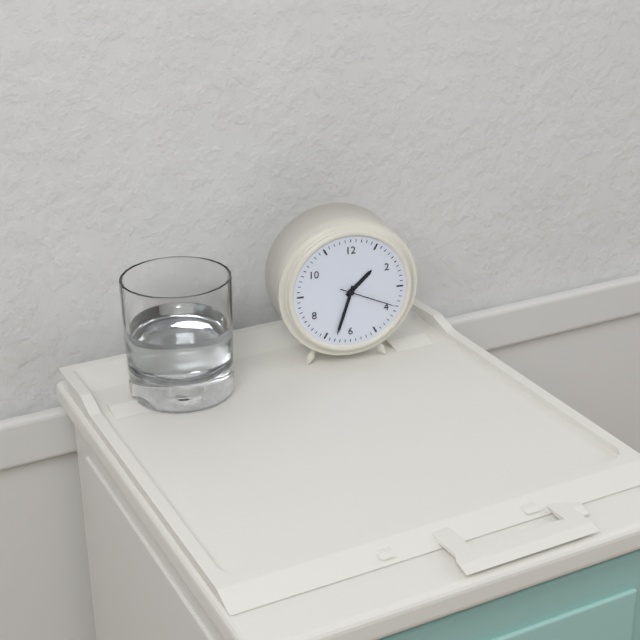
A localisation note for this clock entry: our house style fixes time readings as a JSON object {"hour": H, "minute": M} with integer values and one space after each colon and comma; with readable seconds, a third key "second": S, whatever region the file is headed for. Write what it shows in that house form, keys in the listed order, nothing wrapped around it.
{"hour": 1, "minute": 33, "second": 19}
